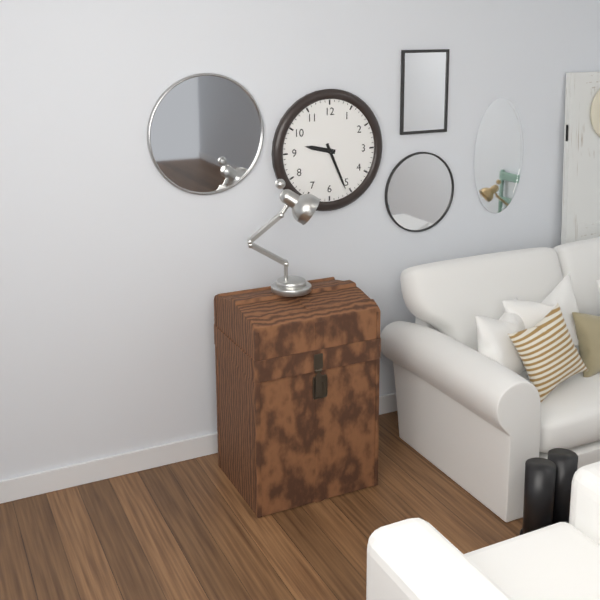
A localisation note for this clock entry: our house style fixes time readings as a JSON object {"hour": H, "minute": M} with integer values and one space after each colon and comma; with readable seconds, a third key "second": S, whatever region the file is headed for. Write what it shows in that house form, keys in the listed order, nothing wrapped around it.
{"hour": 9, "minute": 26}
